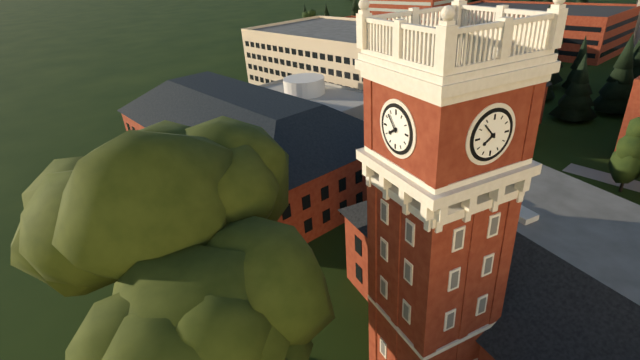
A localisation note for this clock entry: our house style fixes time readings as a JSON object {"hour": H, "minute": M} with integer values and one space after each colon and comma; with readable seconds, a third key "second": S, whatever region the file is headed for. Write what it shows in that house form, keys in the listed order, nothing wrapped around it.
{"hour": 7, "minute": 53}
